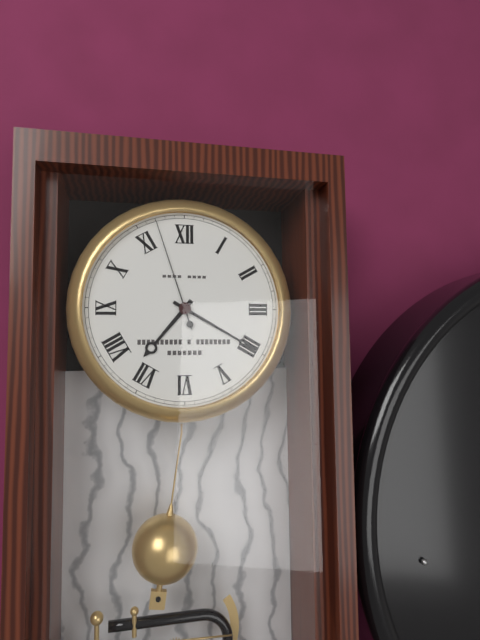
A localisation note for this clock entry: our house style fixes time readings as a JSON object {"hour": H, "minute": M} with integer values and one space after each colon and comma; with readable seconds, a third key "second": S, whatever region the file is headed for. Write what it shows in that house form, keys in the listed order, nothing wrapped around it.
{"hour": 7, "minute": 20, "second": 57}
